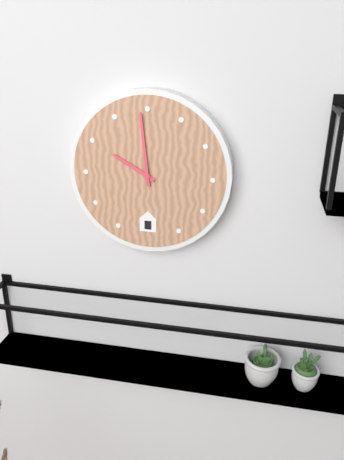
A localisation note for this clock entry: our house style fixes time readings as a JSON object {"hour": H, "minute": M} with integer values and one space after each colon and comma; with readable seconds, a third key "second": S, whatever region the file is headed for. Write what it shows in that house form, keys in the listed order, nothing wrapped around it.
{"hour": 9, "minute": 59}
